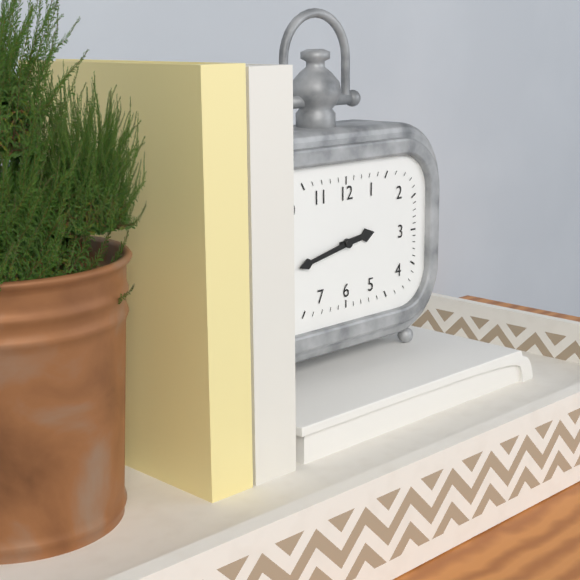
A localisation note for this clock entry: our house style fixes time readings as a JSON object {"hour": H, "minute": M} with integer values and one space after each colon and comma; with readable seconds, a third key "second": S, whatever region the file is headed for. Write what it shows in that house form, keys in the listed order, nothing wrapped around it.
{"hour": 2, "minute": 43}
